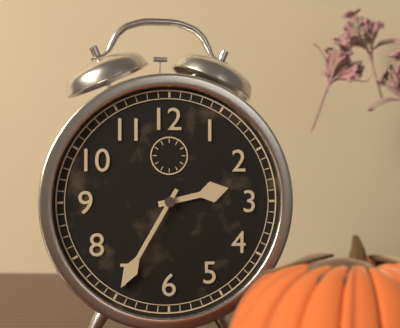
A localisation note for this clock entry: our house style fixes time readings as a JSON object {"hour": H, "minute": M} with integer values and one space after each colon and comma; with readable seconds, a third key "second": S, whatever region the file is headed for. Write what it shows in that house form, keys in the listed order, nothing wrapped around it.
{"hour": 2, "minute": 35}
